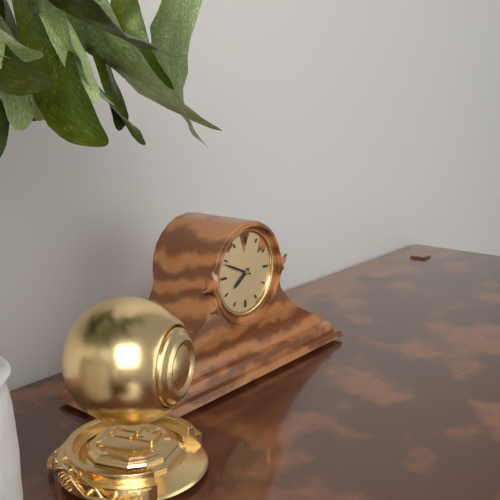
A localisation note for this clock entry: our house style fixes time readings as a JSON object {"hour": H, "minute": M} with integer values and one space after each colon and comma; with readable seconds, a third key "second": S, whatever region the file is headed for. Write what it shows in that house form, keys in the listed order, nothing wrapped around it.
{"hour": 7, "minute": 49}
